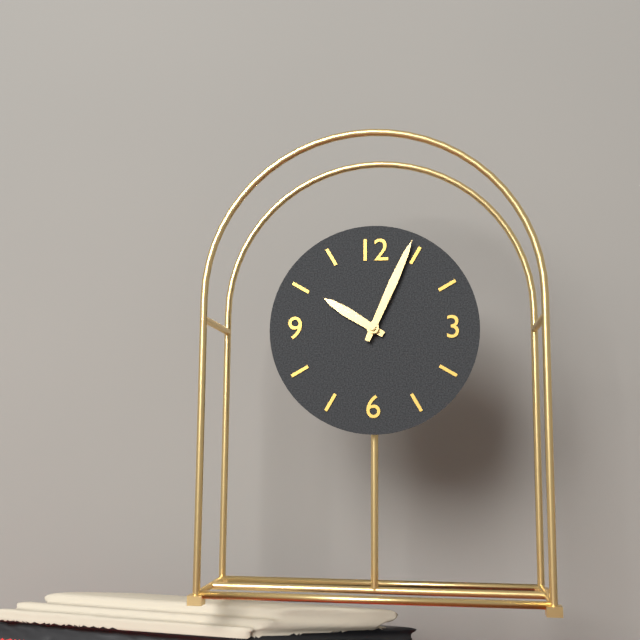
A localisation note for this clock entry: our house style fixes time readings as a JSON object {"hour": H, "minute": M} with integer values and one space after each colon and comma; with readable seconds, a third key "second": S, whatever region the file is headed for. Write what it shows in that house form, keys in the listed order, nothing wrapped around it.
{"hour": 10, "minute": 4}
